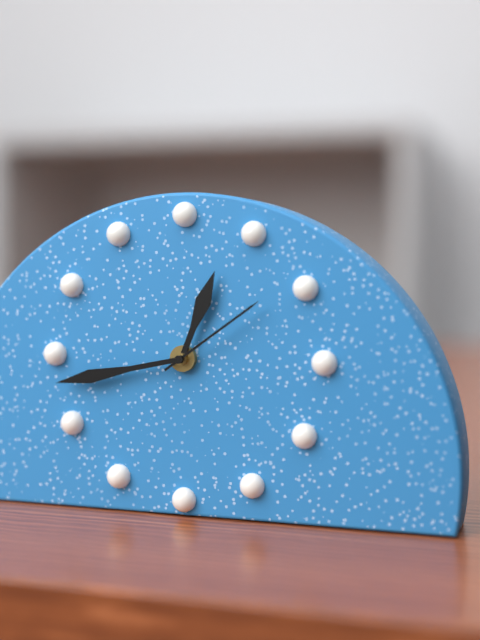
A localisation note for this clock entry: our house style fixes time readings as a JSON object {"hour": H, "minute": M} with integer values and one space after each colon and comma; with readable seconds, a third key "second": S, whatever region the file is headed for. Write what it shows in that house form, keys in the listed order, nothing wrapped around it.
{"hour": 12, "minute": 43, "second": 9}
